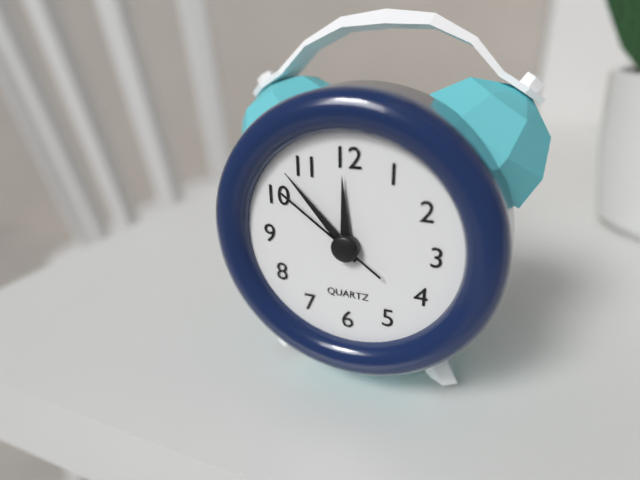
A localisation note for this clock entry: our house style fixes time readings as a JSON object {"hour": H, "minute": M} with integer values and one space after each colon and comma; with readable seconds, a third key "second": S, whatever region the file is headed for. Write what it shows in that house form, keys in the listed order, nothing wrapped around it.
{"hour": 11, "minute": 53, "second": 51}
